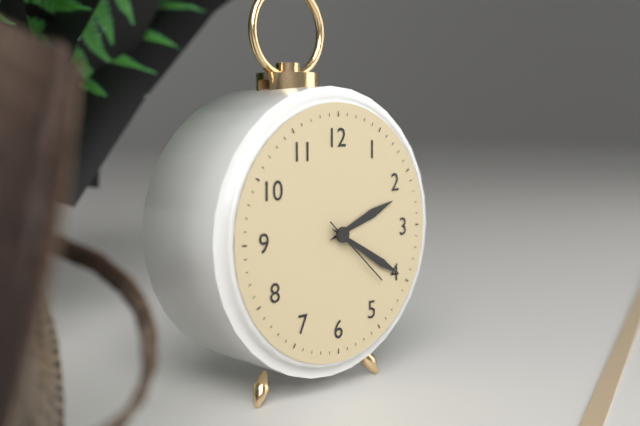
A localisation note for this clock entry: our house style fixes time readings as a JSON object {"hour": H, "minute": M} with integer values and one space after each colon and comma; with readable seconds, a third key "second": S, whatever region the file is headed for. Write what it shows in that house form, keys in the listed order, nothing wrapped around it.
{"hour": 2, "minute": 20, "second": 22}
